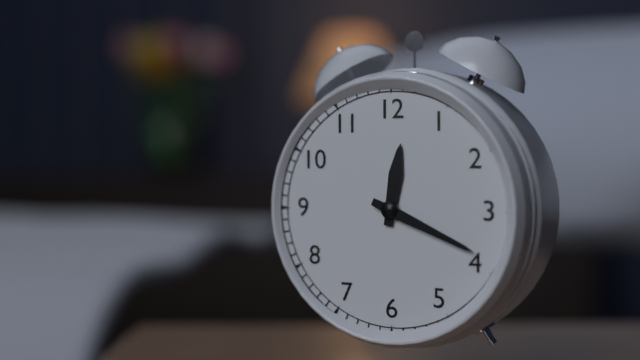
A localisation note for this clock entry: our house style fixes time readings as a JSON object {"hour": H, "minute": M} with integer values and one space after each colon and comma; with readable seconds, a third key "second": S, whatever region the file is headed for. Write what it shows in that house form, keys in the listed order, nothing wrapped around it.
{"hour": 12, "minute": 19}
